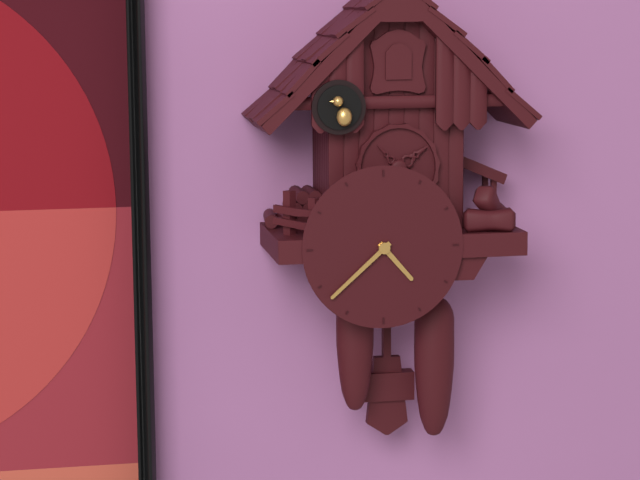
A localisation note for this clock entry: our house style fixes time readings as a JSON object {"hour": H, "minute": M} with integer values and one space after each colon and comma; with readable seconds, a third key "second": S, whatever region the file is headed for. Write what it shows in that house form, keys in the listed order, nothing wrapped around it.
{"hour": 4, "minute": 38}
